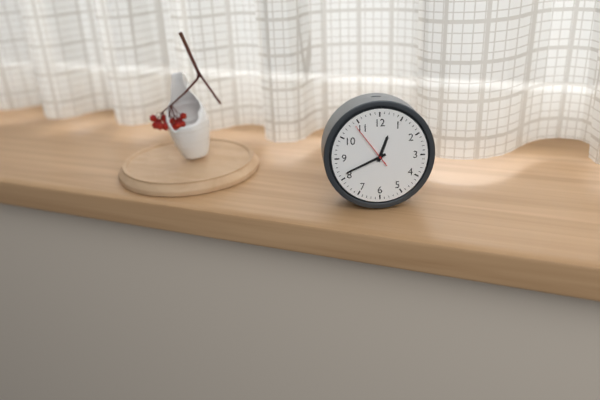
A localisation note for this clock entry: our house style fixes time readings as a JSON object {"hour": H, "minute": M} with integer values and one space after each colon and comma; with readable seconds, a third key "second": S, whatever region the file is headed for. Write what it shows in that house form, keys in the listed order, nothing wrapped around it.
{"hour": 12, "minute": 41}
